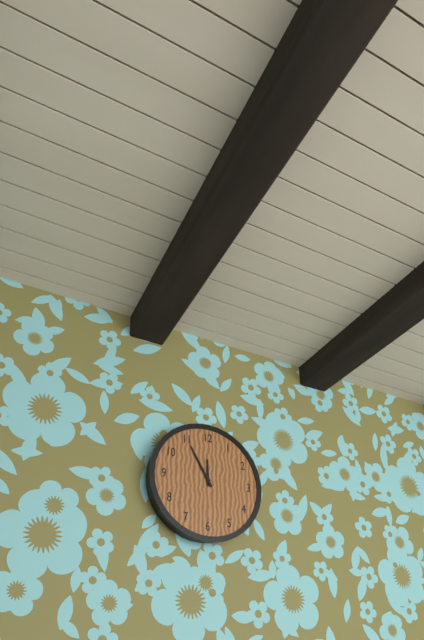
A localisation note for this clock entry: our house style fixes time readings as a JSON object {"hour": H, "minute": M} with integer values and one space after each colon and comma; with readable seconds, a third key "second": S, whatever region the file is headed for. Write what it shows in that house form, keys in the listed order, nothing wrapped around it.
{"hour": 11, "minute": 55}
